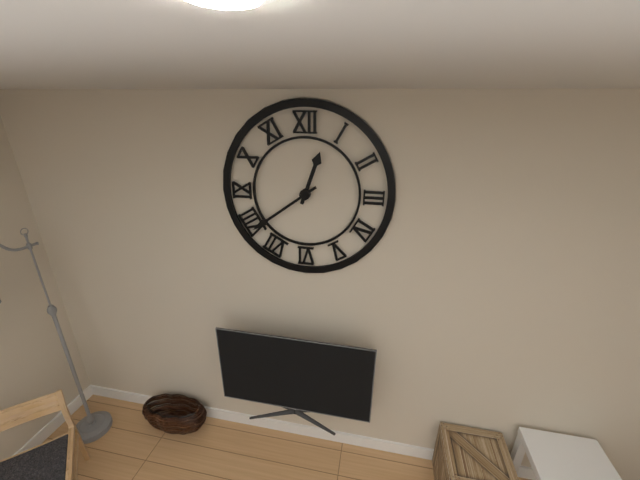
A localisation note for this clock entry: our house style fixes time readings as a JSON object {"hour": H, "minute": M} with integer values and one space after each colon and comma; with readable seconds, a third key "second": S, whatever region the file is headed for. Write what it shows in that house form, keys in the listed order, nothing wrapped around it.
{"hour": 12, "minute": 39}
